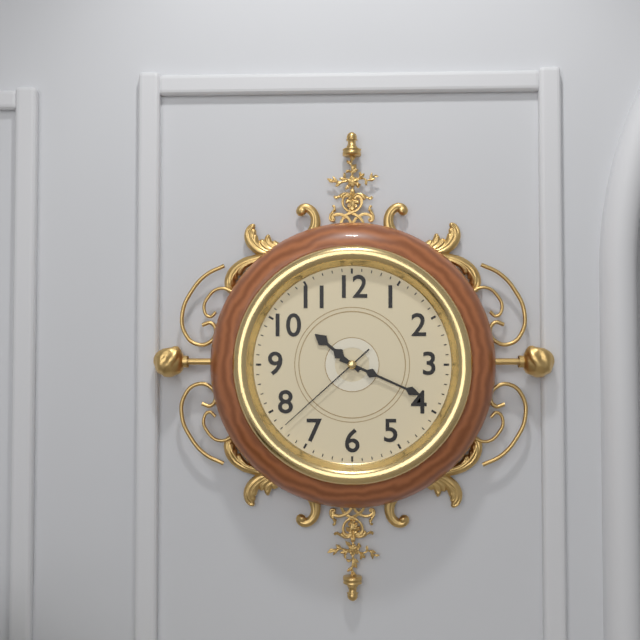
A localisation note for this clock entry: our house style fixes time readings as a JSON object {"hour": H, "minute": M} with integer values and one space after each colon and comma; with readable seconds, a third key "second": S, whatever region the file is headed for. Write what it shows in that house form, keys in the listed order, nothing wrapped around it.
{"hour": 10, "minute": 19, "second": 38}
